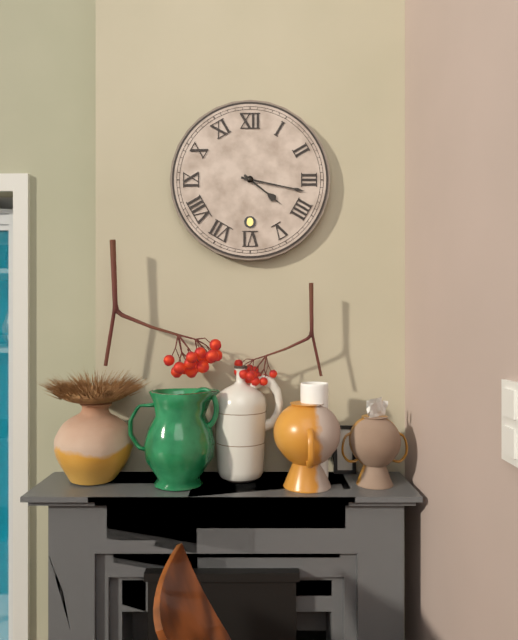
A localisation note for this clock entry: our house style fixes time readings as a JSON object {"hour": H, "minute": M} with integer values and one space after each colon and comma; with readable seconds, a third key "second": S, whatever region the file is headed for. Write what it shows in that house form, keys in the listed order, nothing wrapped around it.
{"hour": 4, "minute": 17}
